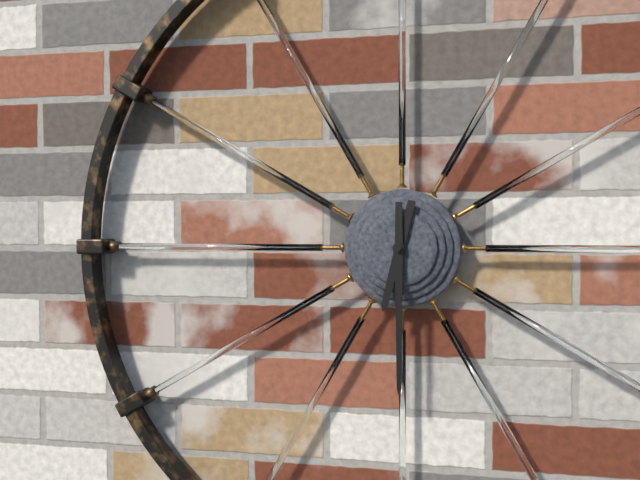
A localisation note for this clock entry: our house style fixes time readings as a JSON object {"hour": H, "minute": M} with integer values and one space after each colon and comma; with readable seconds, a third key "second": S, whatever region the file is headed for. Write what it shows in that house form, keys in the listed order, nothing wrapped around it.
{"hour": 6, "minute": 30}
